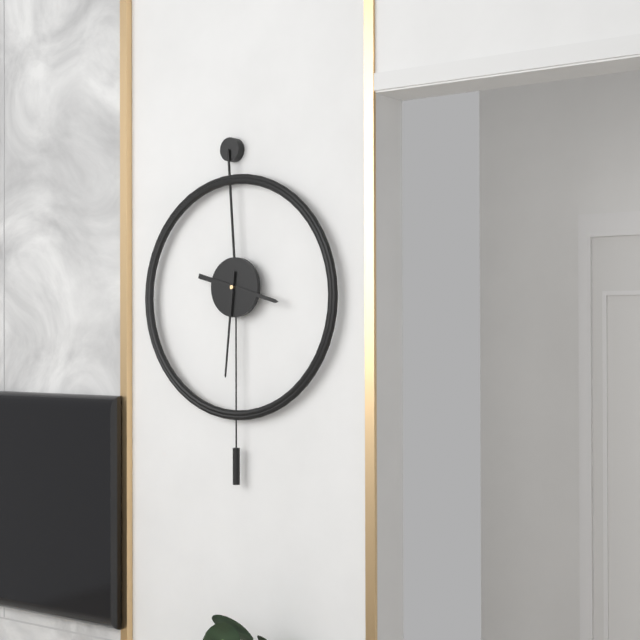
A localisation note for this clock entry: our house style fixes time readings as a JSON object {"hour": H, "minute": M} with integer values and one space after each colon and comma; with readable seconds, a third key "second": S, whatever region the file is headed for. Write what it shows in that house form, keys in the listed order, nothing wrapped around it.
{"hour": 3, "minute": 31}
